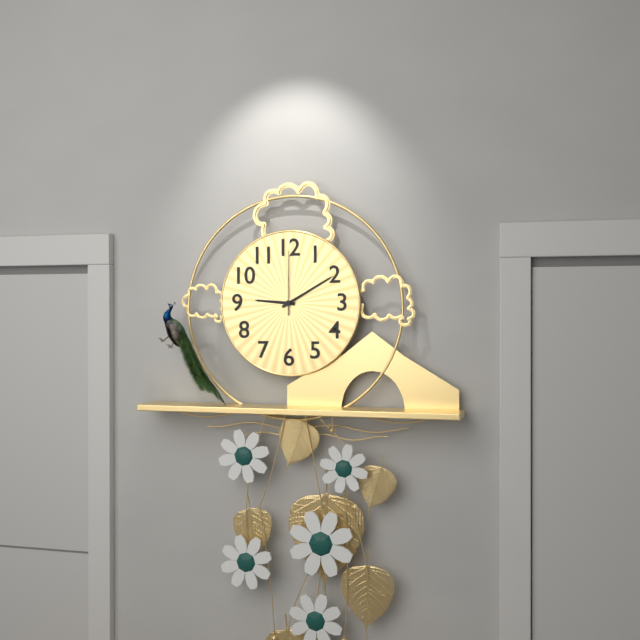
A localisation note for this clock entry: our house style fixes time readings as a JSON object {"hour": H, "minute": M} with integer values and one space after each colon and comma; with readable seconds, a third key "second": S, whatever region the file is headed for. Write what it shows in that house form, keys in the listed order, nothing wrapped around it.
{"hour": 9, "minute": 10, "second": 0}
